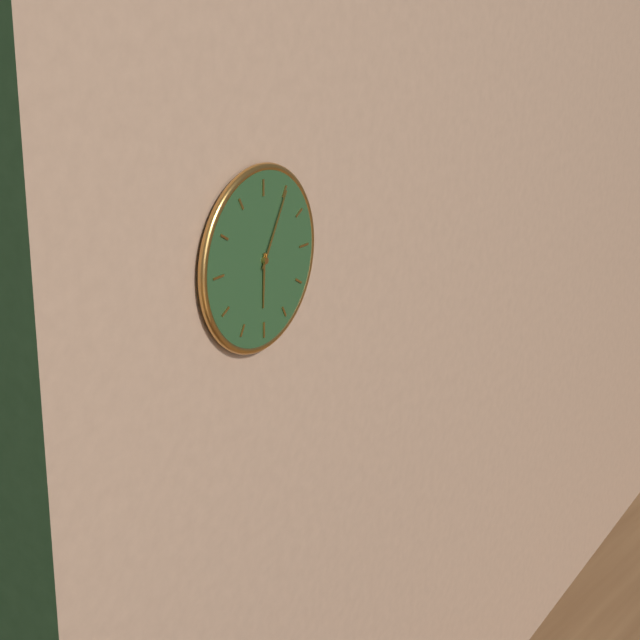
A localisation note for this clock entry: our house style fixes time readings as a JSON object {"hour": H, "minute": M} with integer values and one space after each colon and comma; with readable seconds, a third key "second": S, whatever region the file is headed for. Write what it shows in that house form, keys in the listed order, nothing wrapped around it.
{"hour": 6, "minute": 5}
